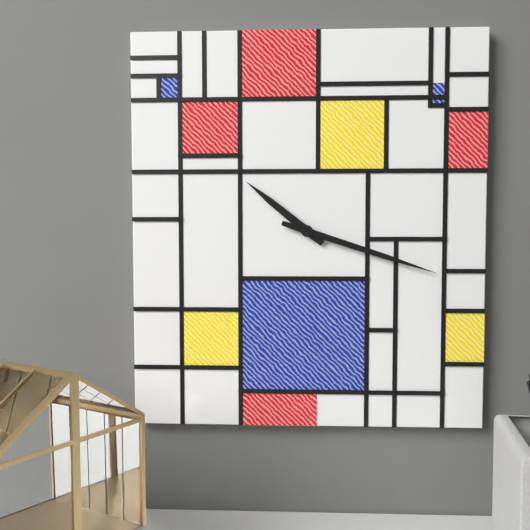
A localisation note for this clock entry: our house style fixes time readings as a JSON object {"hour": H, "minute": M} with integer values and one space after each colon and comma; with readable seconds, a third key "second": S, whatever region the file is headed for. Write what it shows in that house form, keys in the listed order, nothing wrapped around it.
{"hour": 10, "minute": 18}
